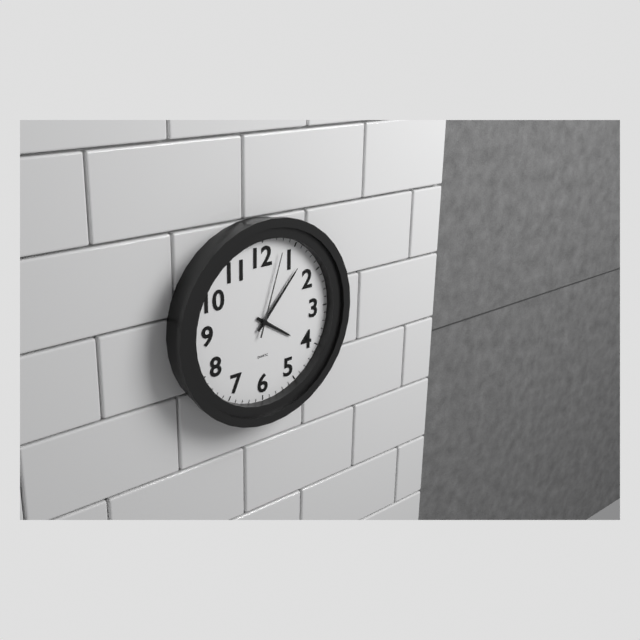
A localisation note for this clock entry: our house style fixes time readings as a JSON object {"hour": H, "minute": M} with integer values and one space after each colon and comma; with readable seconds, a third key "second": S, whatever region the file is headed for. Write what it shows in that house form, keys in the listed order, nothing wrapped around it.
{"hour": 4, "minute": 7, "second": 3}
